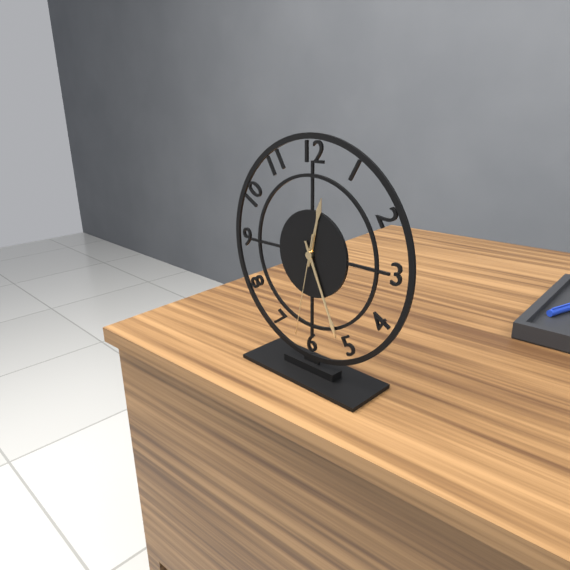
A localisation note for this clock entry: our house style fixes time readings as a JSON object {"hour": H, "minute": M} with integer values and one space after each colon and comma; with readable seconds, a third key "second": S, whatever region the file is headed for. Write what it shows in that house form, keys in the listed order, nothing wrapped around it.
{"hour": 12, "minute": 26, "second": 32}
